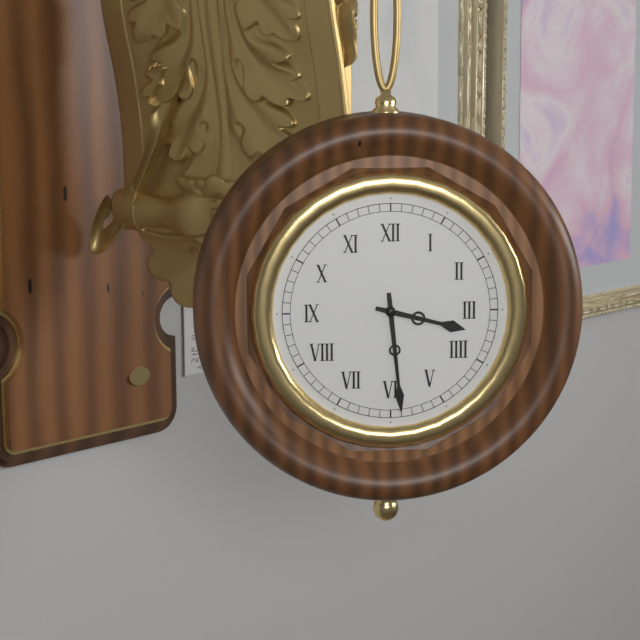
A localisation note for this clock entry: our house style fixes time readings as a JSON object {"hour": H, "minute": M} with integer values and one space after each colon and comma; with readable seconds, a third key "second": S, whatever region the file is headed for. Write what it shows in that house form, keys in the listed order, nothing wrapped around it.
{"hour": 3, "minute": 29}
